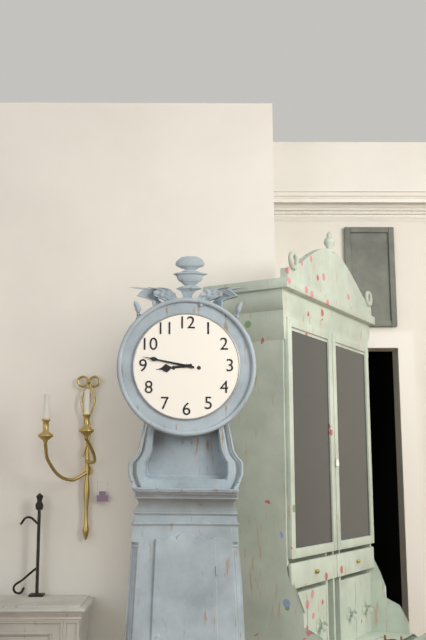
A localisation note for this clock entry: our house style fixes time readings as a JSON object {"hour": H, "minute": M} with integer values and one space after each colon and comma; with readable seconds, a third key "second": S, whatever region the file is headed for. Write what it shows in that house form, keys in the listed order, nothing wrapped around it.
{"hour": 8, "minute": 47}
